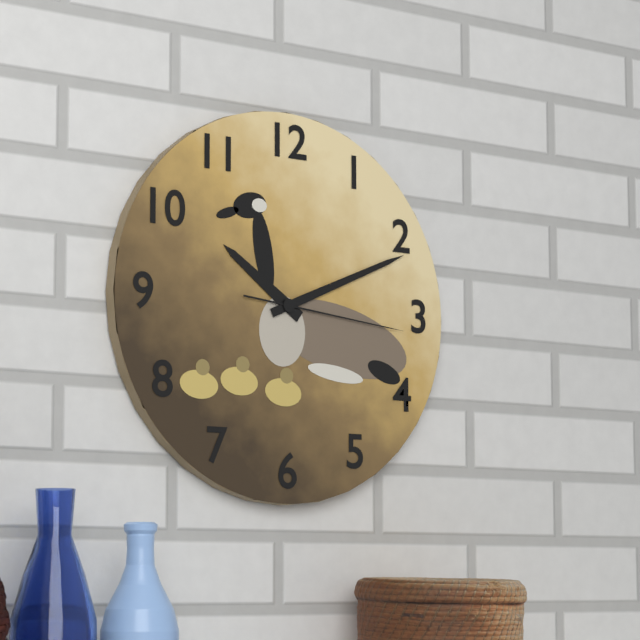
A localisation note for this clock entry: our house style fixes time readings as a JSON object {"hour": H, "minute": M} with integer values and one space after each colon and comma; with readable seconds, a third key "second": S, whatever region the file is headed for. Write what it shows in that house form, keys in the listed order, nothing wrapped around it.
{"hour": 10, "minute": 11, "second": 16}
